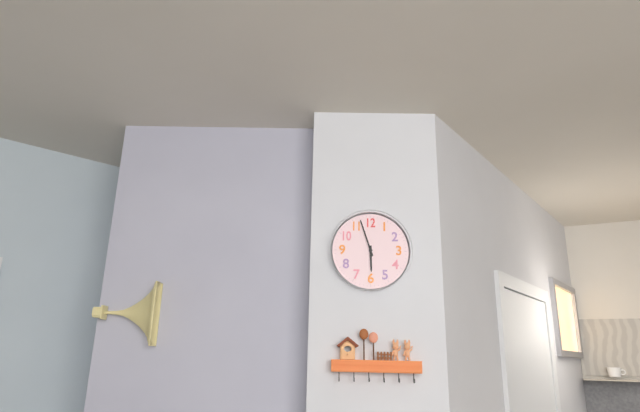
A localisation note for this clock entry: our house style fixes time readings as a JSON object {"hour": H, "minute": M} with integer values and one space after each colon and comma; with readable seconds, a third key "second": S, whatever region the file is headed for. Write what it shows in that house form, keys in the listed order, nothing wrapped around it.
{"hour": 5, "minute": 57}
